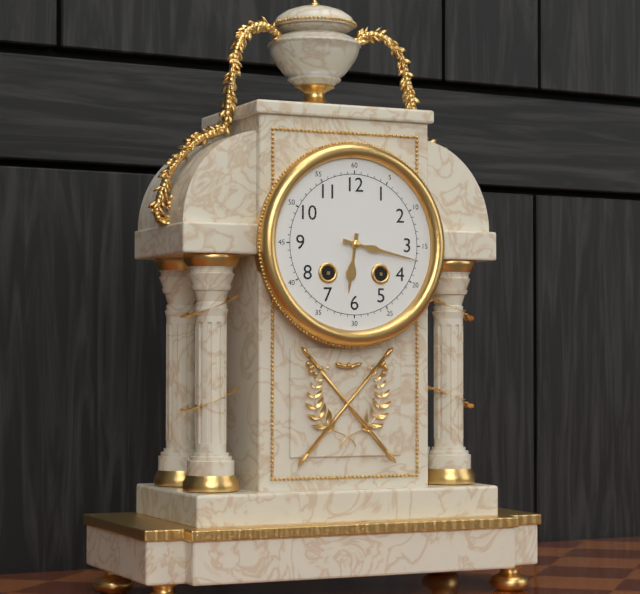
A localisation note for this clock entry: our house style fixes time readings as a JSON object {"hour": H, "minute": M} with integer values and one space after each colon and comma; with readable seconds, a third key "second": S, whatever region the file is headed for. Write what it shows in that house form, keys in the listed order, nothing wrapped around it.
{"hour": 6, "minute": 17}
